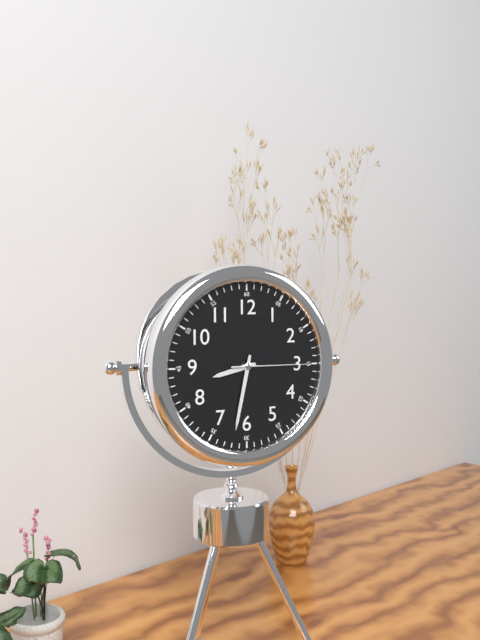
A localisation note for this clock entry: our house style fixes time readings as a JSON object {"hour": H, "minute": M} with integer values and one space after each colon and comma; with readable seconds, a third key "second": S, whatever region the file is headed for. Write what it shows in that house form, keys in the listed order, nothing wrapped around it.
{"hour": 8, "minute": 32, "second": 15}
